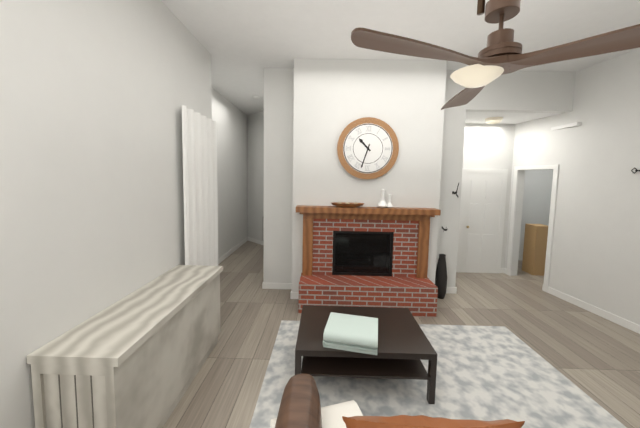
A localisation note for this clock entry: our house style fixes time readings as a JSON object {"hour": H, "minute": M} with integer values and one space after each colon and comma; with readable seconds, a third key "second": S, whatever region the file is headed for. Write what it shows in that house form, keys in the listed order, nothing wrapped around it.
{"hour": 10, "minute": 33}
